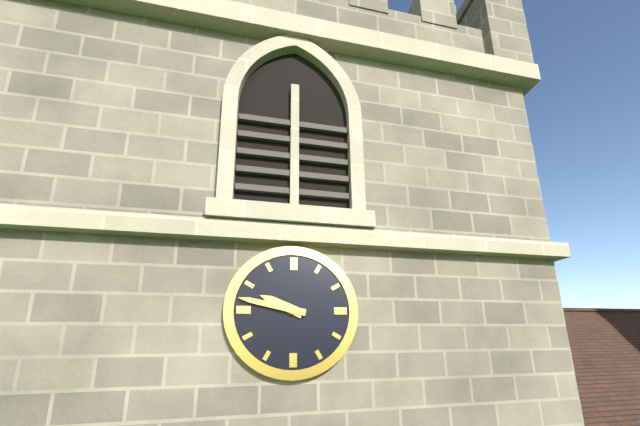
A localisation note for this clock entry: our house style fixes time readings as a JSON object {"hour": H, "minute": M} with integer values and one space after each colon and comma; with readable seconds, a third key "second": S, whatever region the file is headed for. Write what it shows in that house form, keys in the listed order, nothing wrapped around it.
{"hour": 9, "minute": 47}
